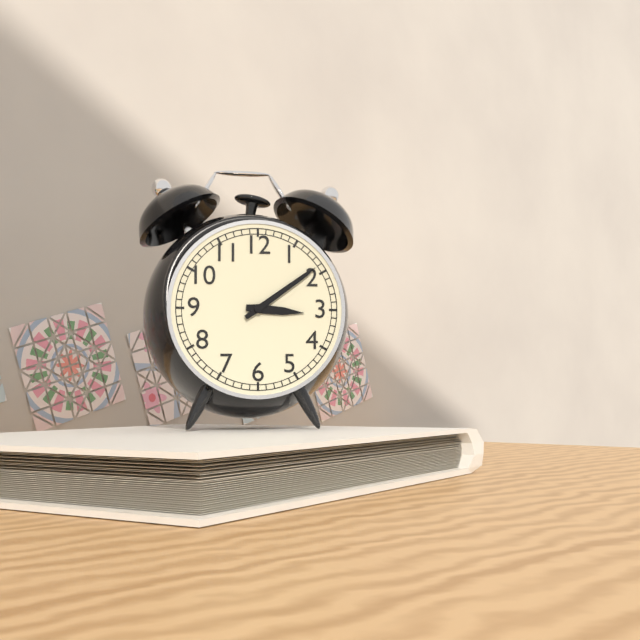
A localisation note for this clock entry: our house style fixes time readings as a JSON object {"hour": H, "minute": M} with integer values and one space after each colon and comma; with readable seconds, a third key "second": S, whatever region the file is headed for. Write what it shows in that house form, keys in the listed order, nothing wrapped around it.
{"hour": 3, "minute": 9}
